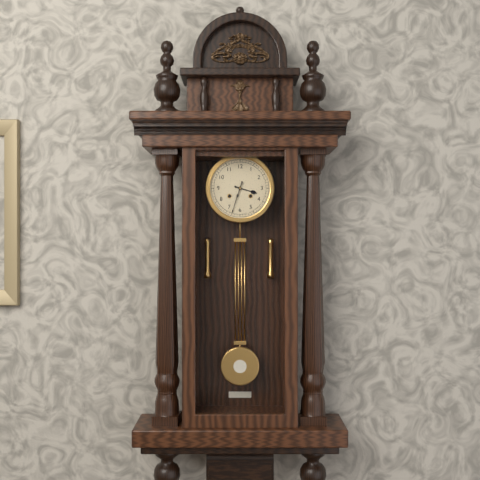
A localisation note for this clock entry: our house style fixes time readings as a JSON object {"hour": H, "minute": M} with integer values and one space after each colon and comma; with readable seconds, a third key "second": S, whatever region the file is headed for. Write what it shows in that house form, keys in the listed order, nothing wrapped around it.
{"hour": 3, "minute": 33}
